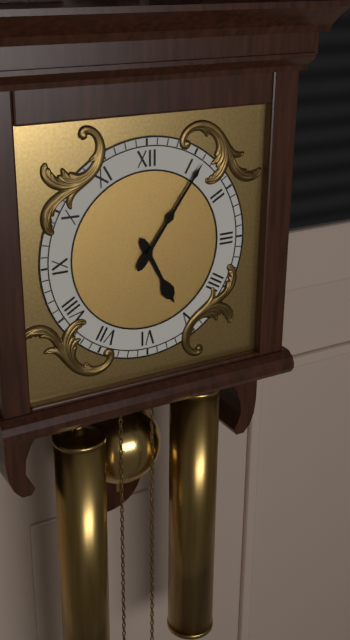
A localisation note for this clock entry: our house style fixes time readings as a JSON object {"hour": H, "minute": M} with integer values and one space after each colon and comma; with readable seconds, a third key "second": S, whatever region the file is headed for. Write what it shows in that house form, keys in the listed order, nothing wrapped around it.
{"hour": 5, "minute": 6}
